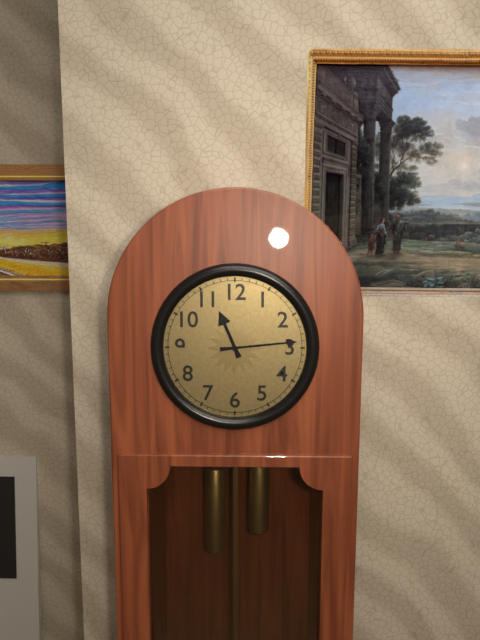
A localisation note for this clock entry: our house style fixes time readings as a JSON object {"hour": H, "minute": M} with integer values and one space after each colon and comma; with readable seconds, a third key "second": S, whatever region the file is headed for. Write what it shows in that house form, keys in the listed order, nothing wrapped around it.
{"hour": 11, "minute": 14}
